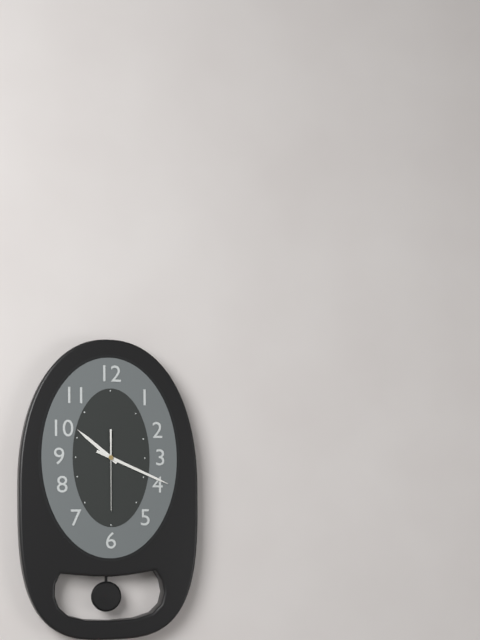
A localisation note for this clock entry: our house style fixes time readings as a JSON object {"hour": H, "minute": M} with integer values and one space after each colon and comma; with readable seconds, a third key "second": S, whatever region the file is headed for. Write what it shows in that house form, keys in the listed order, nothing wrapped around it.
{"hour": 10, "minute": 19, "second": 30}
